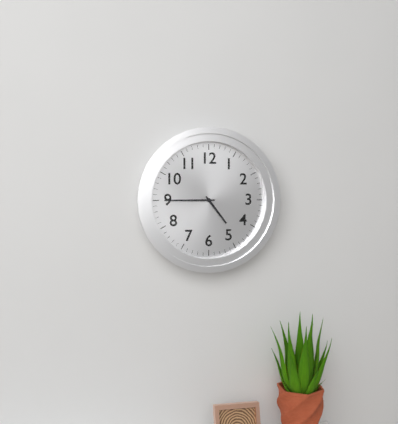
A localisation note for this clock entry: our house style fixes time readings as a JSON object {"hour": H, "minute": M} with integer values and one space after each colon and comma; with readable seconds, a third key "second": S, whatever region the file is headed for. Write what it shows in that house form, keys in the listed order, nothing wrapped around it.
{"hour": 4, "minute": 45}
